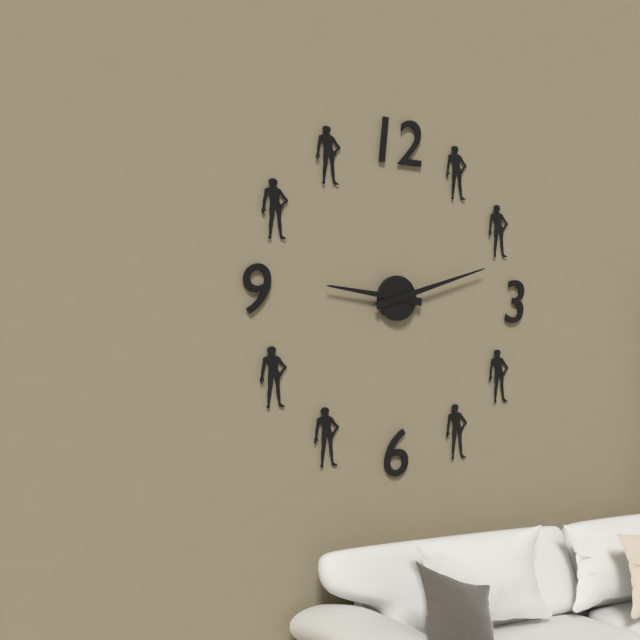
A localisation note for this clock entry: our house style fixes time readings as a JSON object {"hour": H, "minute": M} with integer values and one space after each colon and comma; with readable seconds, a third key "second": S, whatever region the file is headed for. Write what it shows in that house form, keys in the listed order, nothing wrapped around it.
{"hour": 9, "minute": 12}
